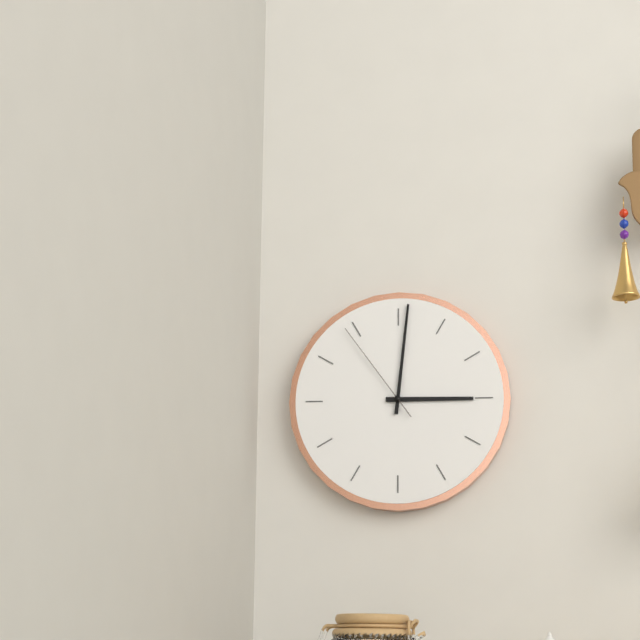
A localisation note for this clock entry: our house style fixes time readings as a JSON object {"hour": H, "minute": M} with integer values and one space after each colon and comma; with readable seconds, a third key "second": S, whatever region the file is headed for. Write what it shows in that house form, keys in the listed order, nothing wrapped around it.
{"hour": 3, "minute": 1, "second": 54}
